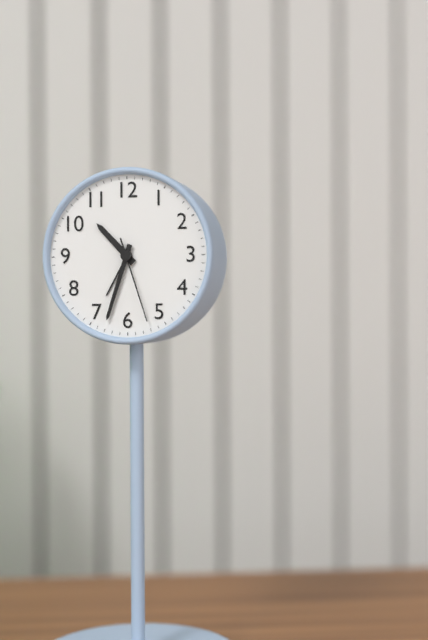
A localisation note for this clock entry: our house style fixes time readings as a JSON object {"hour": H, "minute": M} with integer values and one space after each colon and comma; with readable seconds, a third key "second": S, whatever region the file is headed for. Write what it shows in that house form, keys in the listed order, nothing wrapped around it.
{"hour": 10, "minute": 33, "second": 27}
